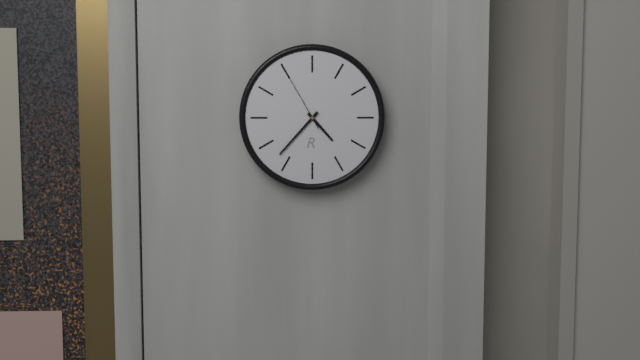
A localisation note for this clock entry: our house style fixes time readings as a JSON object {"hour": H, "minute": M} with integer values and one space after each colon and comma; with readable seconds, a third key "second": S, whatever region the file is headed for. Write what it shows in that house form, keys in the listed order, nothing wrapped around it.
{"hour": 4, "minute": 37, "second": 55}
